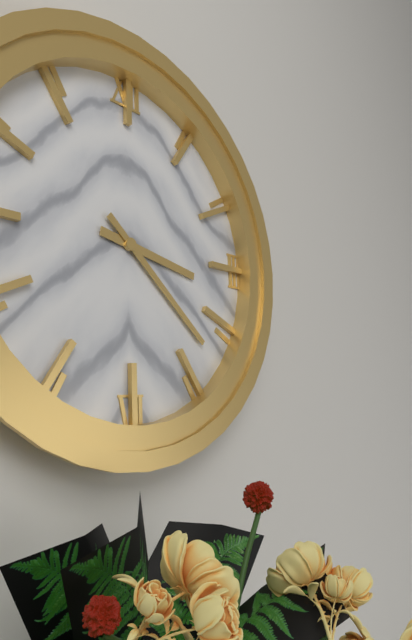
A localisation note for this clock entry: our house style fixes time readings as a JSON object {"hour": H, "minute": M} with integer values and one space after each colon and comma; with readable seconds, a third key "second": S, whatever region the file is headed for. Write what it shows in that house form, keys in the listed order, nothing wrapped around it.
{"hour": 3, "minute": 22}
